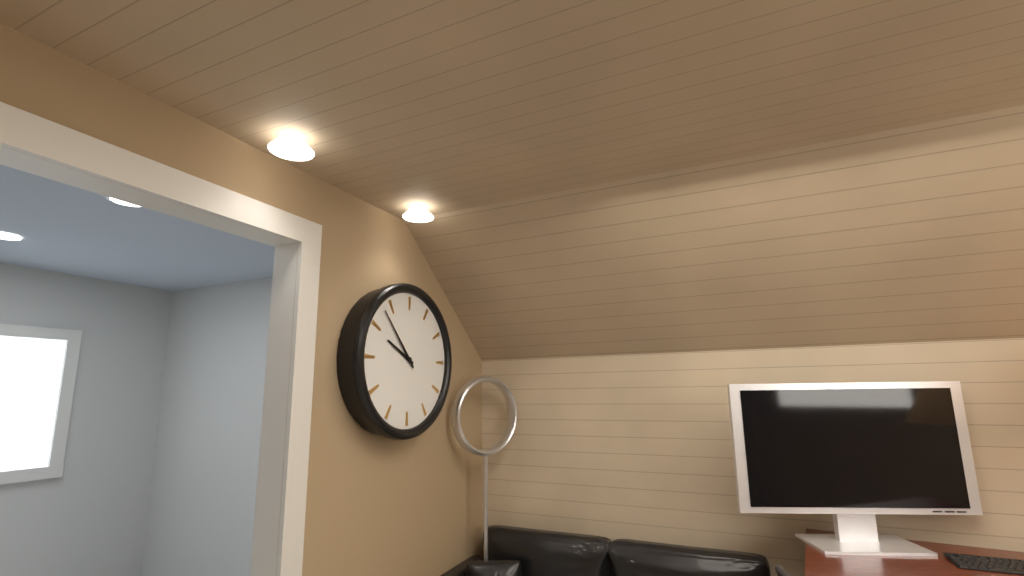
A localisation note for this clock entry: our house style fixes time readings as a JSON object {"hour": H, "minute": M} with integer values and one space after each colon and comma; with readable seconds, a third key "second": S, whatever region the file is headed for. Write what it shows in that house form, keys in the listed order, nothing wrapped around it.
{"hour": 9, "minute": 53}
